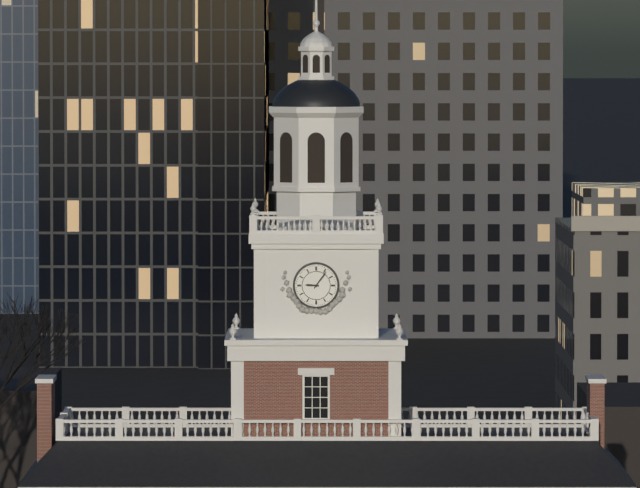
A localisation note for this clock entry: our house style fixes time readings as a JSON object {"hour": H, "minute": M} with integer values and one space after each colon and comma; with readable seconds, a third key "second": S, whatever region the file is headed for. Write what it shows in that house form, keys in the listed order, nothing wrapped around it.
{"hour": 9, "minute": 6}
